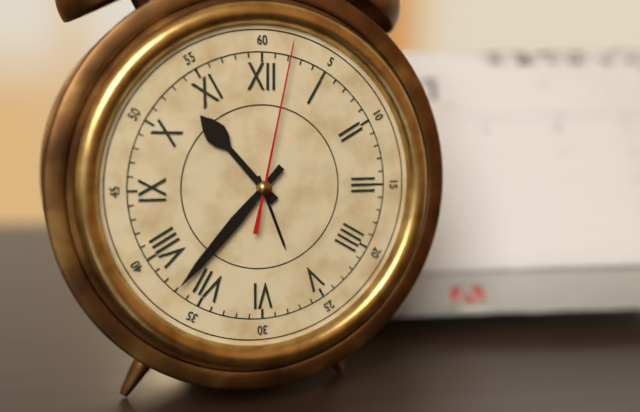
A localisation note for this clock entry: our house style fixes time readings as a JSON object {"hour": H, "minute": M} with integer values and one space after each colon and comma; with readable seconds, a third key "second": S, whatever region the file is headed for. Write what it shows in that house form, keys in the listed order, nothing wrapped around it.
{"hour": 10, "minute": 37, "second": 2}
